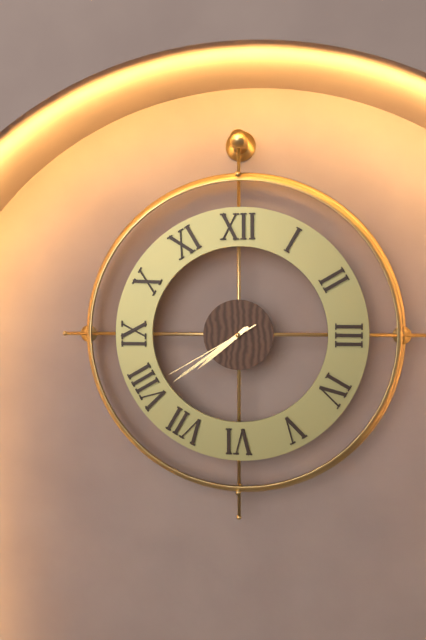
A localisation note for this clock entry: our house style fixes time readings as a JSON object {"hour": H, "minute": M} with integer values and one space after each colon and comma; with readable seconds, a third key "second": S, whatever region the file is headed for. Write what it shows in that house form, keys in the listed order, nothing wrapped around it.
{"hour": 7, "minute": 39, "second": 40}
